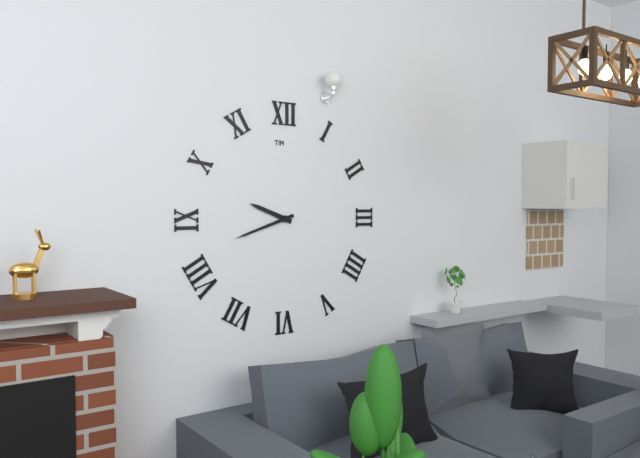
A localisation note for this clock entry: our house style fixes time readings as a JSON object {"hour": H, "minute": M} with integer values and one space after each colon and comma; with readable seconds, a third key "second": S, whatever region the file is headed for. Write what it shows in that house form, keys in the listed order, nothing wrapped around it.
{"hour": 9, "minute": 42}
